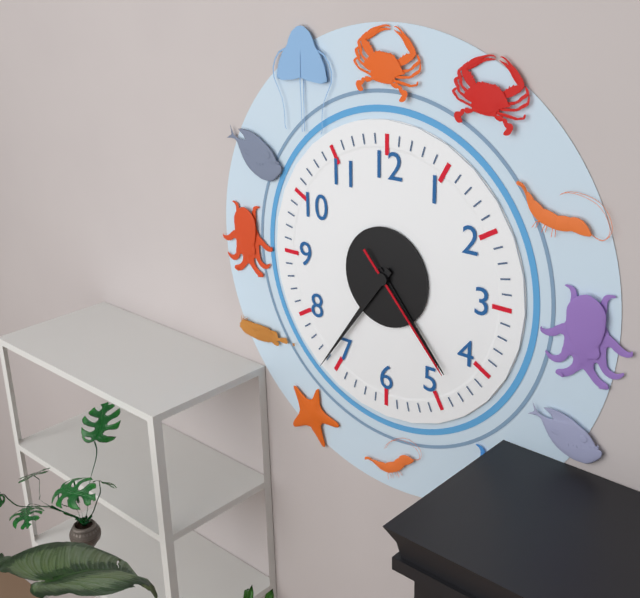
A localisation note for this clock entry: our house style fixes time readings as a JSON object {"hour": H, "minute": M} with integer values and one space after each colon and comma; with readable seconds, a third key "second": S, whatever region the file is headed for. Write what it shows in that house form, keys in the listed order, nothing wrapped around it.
{"hour": 4, "minute": 36, "second": 23}
